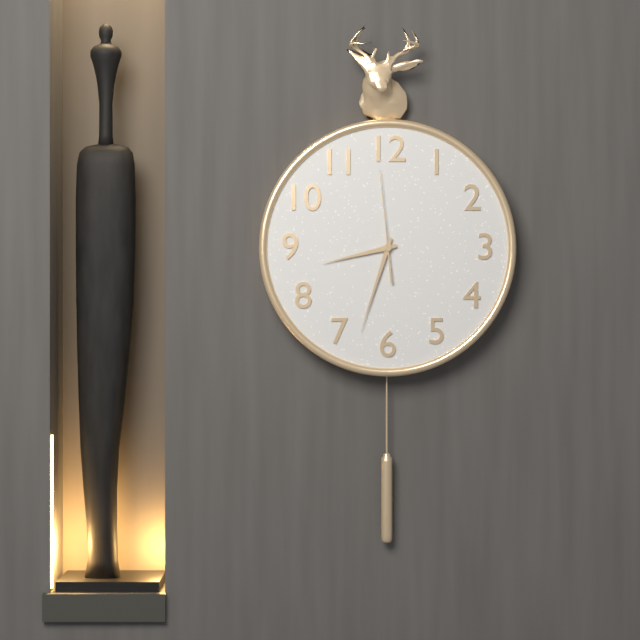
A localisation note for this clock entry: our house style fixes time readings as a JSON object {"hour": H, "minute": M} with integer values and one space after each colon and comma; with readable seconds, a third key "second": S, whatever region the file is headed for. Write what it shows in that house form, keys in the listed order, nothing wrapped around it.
{"hour": 8, "minute": 33, "second": 59}
